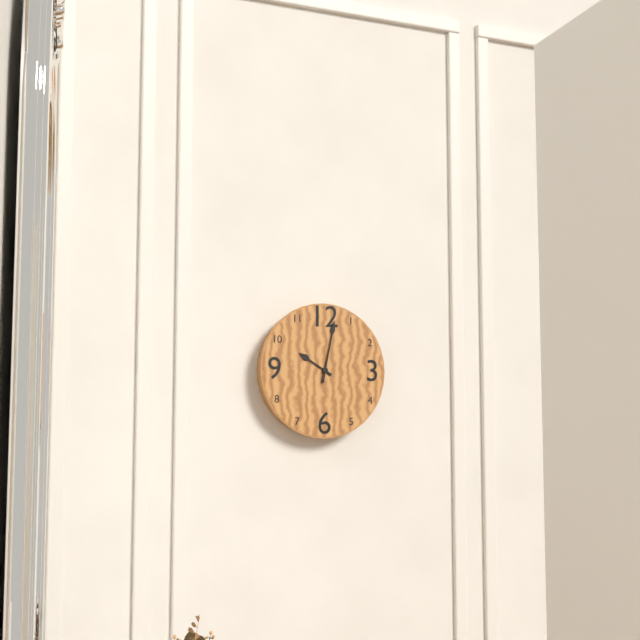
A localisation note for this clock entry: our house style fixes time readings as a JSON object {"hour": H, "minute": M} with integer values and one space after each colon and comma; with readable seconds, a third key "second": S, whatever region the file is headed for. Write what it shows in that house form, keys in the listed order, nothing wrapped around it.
{"hour": 10, "minute": 2}
